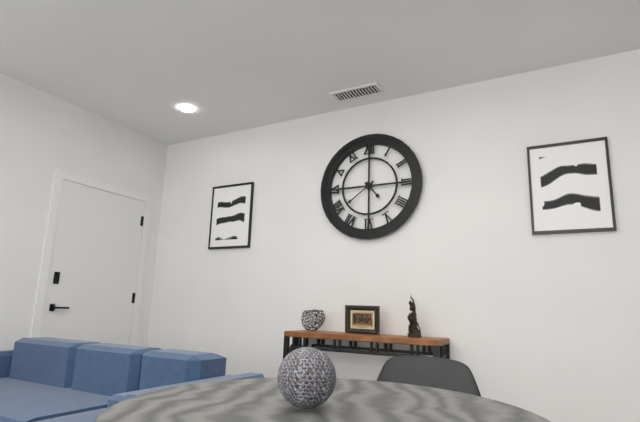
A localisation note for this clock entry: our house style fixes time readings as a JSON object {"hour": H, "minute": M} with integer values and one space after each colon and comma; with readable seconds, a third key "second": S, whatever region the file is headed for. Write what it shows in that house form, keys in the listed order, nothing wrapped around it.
{"hour": 4, "minute": 39}
